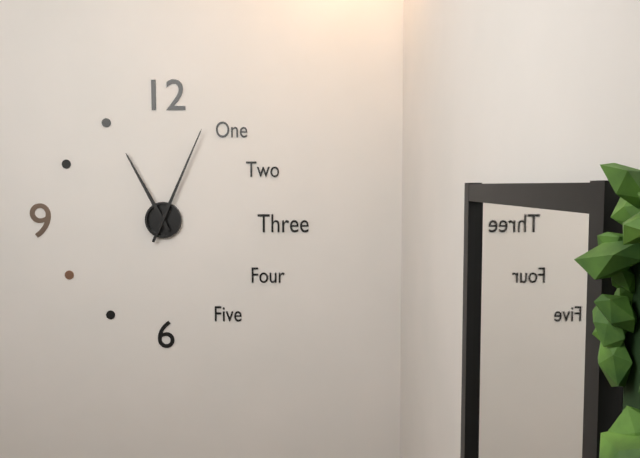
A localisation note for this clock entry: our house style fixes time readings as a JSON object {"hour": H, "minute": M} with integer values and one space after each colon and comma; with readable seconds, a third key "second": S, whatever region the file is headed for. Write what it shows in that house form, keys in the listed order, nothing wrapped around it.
{"hour": 11, "minute": 4}
